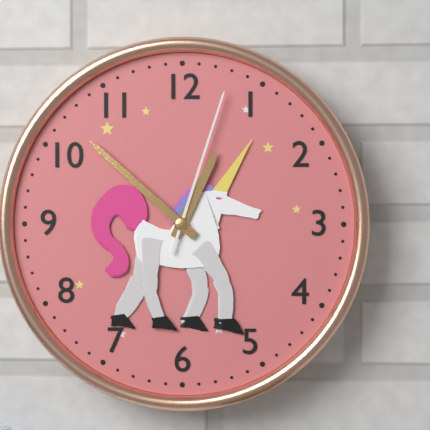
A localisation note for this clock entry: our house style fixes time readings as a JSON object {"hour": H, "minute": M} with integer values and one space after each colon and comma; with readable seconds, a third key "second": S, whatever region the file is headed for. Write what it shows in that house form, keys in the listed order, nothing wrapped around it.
{"hour": 12, "minute": 52, "second": 3}
